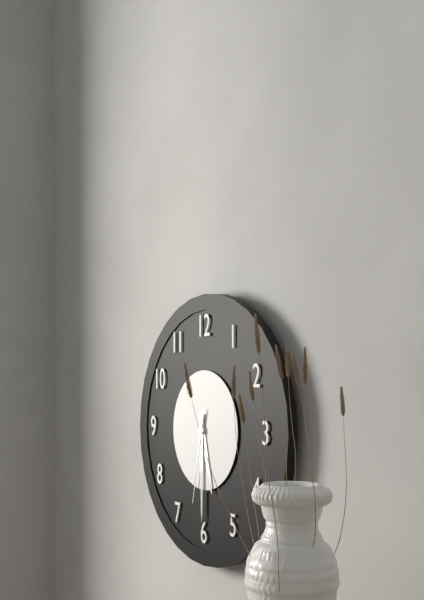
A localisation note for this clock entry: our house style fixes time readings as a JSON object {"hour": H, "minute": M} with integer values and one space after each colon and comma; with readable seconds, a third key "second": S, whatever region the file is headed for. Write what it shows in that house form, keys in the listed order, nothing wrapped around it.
{"hour": 5, "minute": 30, "second": 32}
